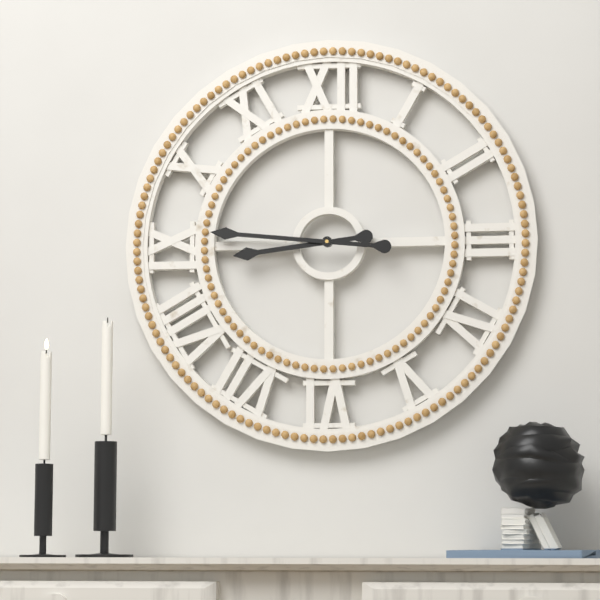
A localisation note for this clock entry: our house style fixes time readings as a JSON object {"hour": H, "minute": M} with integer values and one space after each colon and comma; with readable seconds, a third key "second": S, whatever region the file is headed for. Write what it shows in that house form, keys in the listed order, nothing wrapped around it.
{"hour": 8, "minute": 46}
